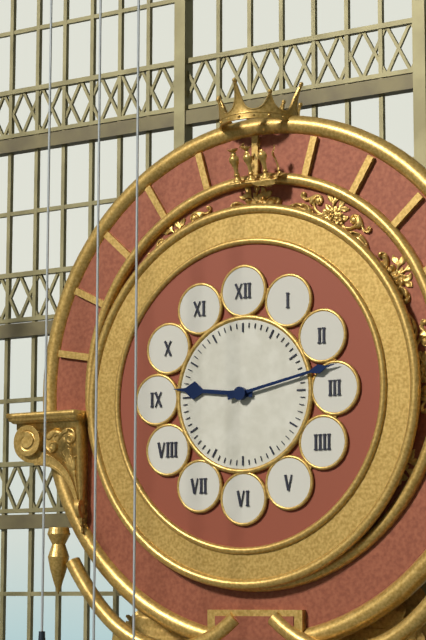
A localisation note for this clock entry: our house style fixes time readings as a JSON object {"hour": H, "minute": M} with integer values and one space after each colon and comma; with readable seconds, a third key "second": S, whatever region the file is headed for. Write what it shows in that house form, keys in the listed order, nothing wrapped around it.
{"hour": 9, "minute": 13}
